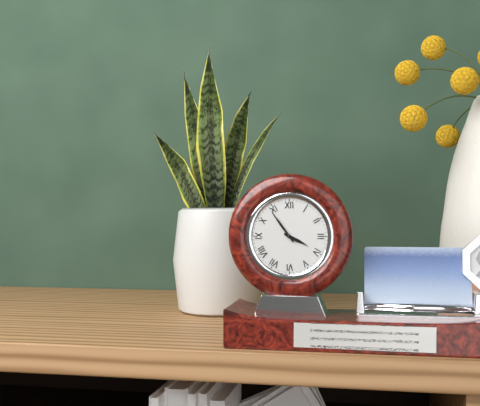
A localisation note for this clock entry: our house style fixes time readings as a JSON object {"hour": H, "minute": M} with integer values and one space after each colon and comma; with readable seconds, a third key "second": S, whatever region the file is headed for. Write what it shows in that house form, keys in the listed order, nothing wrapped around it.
{"hour": 3, "minute": 54}
